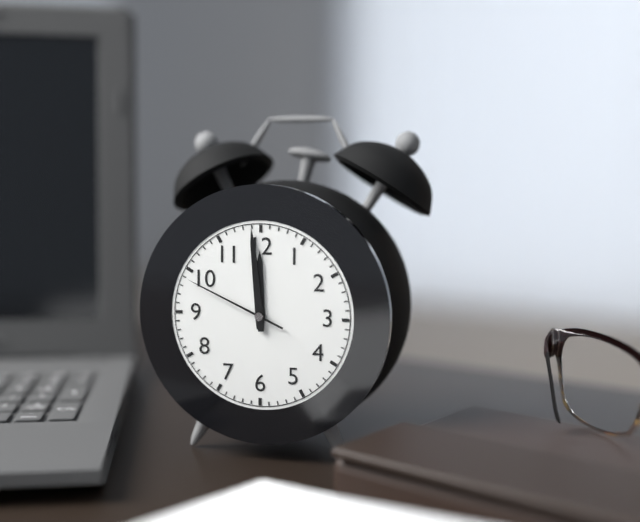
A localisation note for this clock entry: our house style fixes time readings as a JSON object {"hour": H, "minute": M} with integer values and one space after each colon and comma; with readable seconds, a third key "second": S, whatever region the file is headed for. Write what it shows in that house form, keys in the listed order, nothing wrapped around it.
{"hour": 11, "minute": 59, "second": 49}
